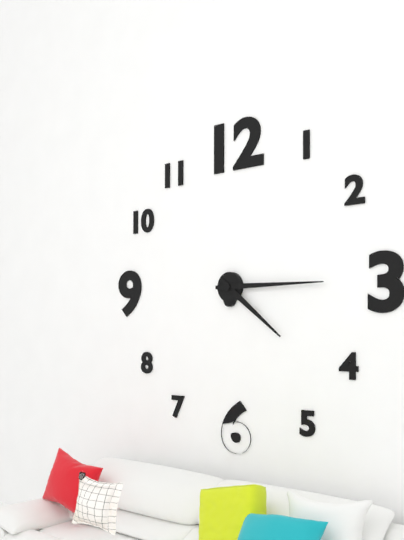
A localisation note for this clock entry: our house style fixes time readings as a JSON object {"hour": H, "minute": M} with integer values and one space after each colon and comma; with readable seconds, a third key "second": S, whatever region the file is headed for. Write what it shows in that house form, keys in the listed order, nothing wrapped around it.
{"hour": 4, "minute": 15}
